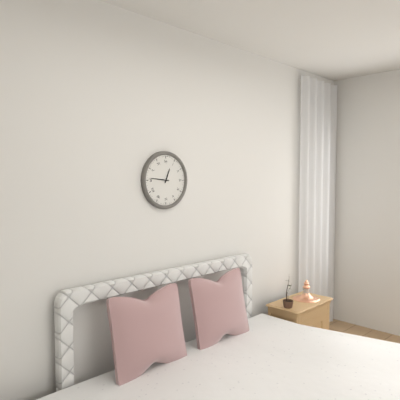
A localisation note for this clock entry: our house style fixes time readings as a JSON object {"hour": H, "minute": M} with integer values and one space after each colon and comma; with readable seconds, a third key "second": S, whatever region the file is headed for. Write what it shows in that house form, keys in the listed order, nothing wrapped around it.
{"hour": 12, "minute": 46}
